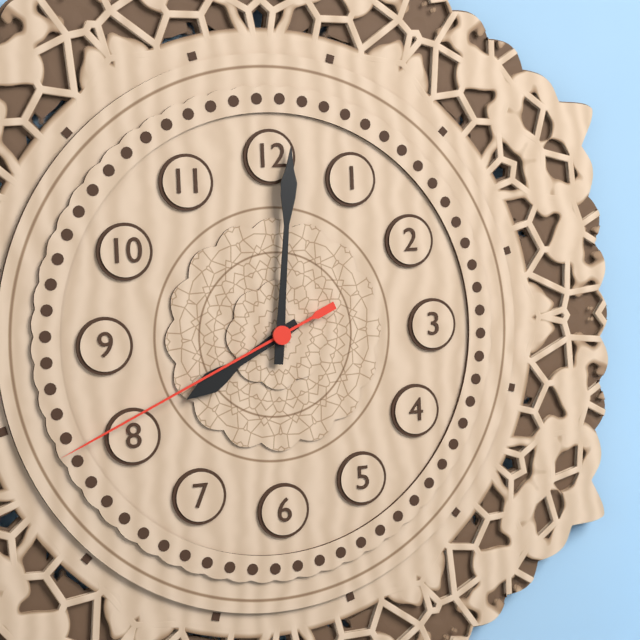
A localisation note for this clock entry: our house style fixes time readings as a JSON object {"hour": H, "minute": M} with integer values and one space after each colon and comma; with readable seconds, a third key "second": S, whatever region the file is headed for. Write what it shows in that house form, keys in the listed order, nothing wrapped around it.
{"hour": 8, "minute": 1, "second": 41}
